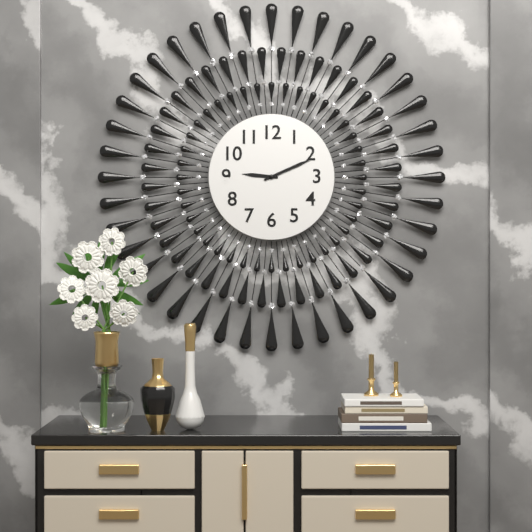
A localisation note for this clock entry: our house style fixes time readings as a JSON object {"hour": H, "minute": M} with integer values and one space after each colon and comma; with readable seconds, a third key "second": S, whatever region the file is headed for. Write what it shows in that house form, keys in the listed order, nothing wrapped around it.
{"hour": 9, "minute": 11}
